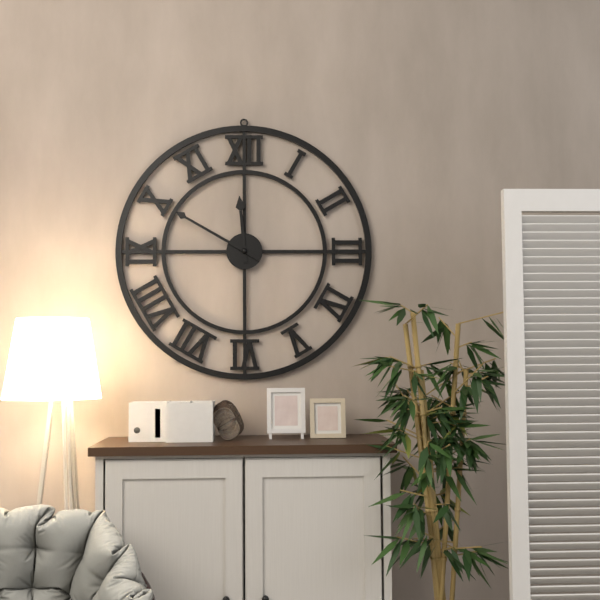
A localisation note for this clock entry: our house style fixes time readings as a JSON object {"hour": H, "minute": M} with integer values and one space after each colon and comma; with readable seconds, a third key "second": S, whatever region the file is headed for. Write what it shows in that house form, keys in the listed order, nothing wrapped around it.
{"hour": 11, "minute": 50}
